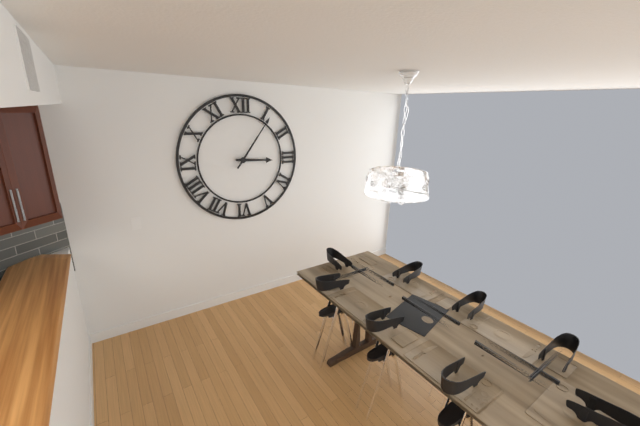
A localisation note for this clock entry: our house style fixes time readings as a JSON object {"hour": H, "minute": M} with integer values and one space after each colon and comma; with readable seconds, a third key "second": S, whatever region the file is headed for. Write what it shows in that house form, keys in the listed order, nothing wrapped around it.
{"hour": 3, "minute": 6}
